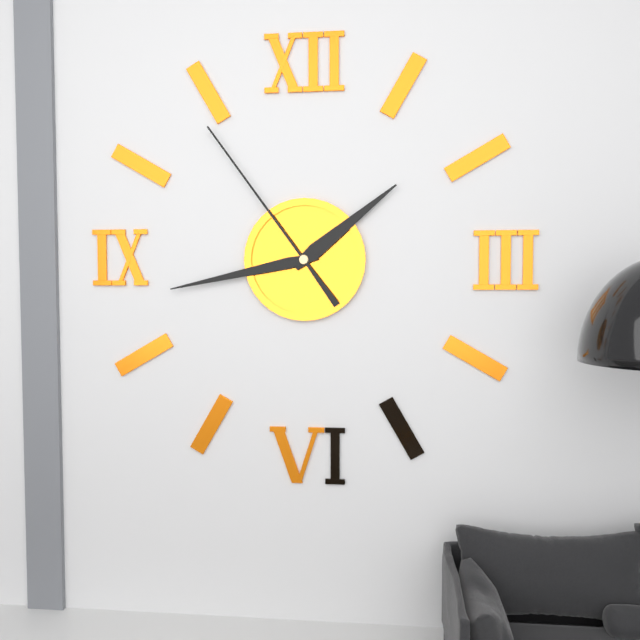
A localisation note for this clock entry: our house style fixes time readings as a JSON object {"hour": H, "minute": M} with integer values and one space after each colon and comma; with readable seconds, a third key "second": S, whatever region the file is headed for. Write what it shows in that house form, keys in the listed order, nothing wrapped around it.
{"hour": 1, "minute": 43, "second": 54}
